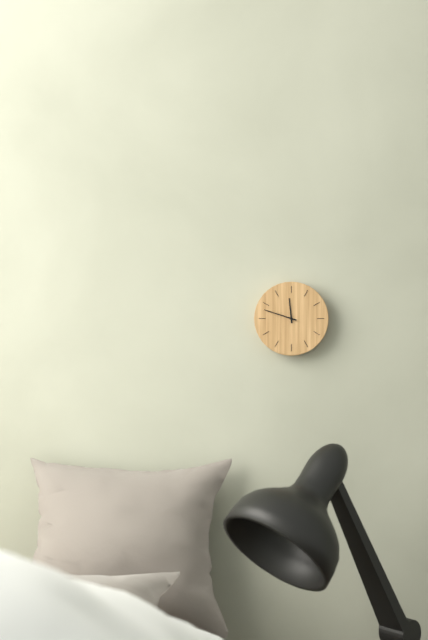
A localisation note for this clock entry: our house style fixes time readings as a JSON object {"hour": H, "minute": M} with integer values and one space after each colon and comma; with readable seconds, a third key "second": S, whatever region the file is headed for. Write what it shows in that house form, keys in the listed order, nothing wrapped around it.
{"hour": 11, "minute": 48}
